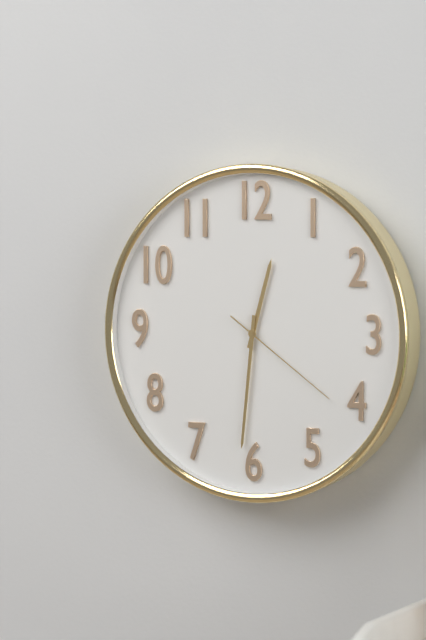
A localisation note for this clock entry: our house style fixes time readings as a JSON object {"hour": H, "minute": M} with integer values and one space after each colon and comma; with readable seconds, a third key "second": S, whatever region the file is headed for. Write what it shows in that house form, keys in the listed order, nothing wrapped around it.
{"hour": 12, "minute": 31, "second": 21}
